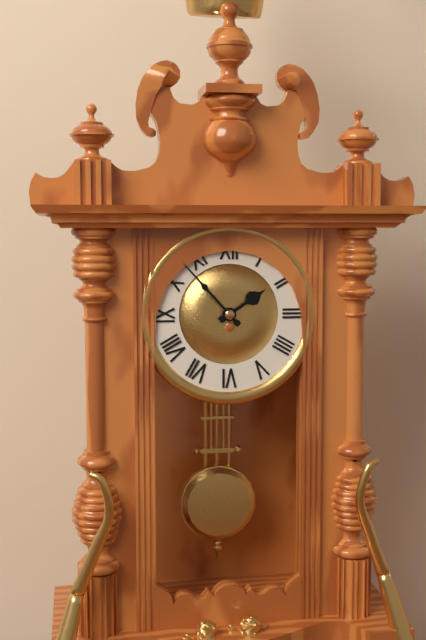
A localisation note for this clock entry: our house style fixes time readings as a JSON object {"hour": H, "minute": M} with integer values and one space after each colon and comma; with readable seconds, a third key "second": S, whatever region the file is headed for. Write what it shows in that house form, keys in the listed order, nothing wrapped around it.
{"hour": 1, "minute": 53}
